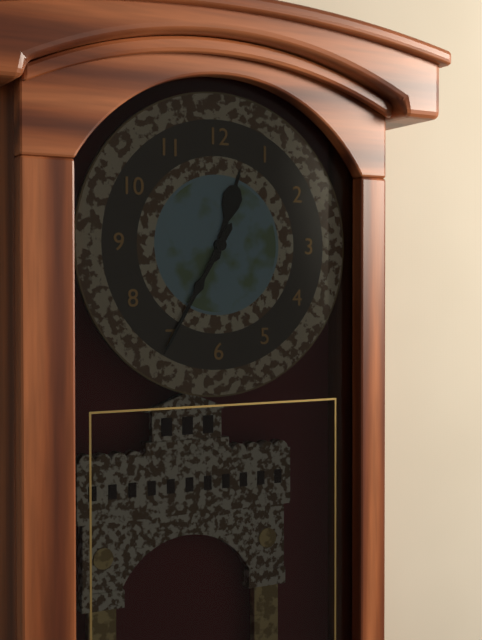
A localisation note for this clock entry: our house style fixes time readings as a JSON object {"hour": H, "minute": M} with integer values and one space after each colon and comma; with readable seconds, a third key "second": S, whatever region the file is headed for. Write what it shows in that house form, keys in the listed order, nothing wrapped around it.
{"hour": 12, "minute": 35}
